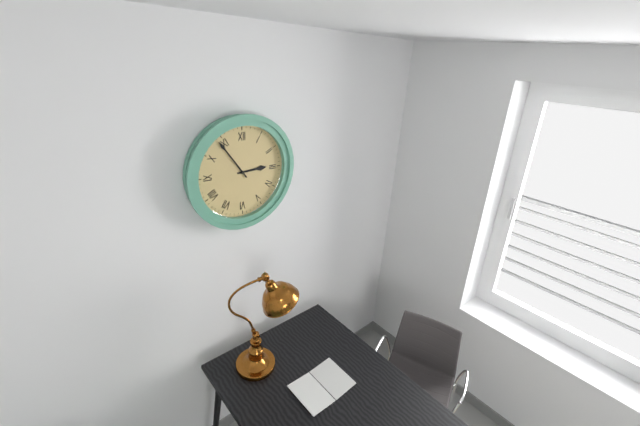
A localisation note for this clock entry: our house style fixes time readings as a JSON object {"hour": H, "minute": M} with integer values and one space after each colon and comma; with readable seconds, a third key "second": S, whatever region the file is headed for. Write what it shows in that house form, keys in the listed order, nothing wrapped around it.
{"hour": 2, "minute": 54}
